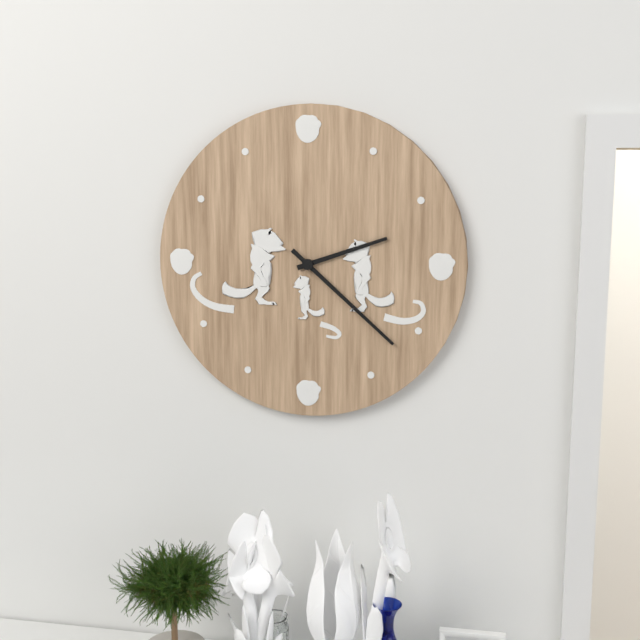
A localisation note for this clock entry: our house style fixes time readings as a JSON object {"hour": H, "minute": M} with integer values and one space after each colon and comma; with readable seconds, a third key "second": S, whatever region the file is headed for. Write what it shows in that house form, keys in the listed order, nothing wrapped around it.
{"hour": 2, "minute": 22}
